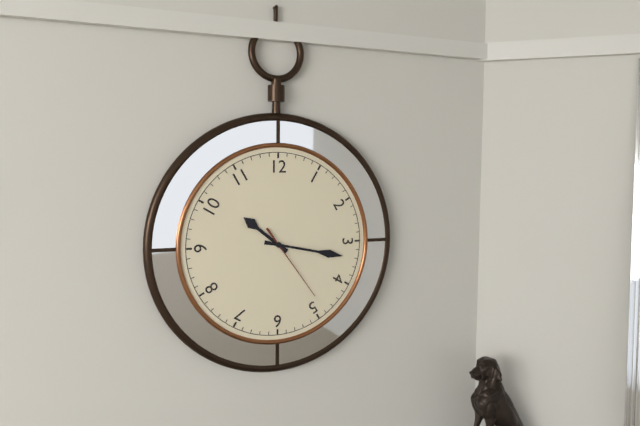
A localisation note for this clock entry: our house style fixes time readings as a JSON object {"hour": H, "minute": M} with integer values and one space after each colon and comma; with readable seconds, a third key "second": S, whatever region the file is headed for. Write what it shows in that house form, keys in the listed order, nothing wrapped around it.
{"hour": 10, "minute": 17, "second": 24}
